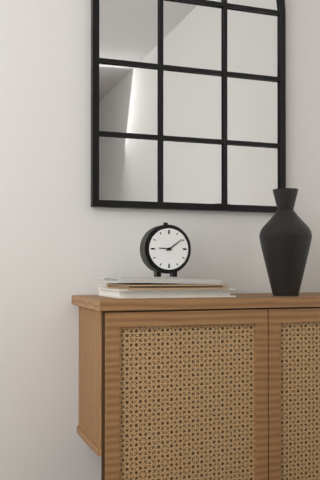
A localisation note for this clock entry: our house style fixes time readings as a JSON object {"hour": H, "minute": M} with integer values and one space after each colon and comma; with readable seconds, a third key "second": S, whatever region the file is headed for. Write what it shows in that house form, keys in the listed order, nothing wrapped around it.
{"hour": 9, "minute": 9}
